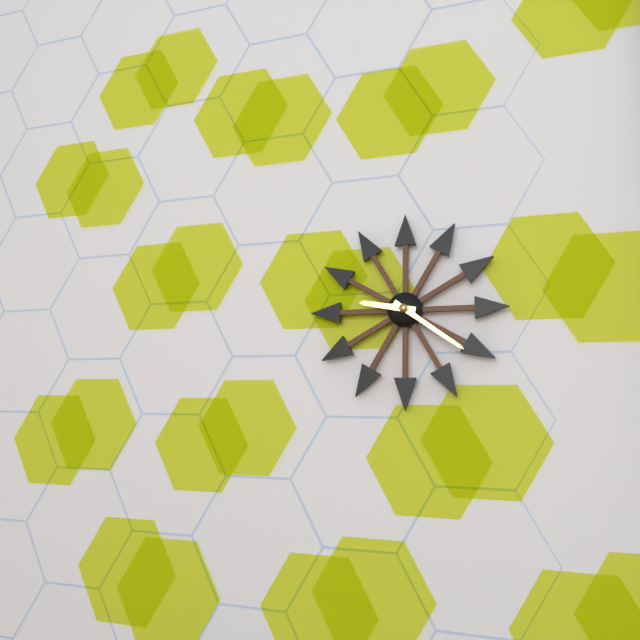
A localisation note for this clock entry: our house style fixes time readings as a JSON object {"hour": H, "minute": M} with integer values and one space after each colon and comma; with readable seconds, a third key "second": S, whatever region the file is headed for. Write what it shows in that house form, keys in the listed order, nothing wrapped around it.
{"hour": 9, "minute": 21}
